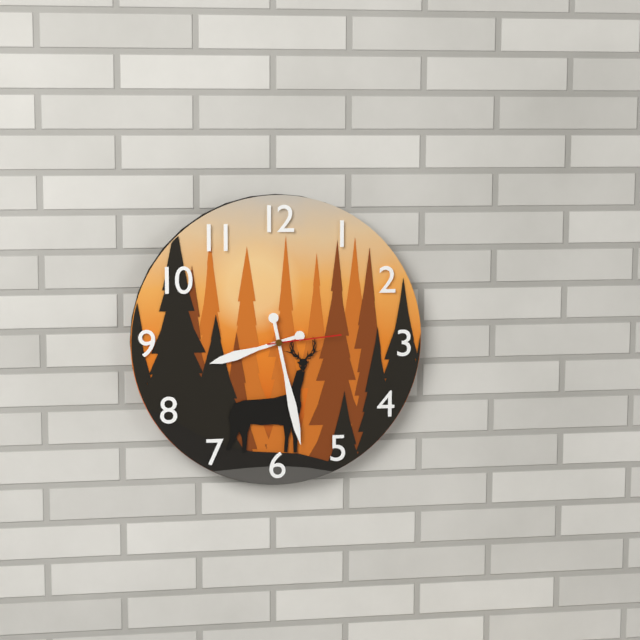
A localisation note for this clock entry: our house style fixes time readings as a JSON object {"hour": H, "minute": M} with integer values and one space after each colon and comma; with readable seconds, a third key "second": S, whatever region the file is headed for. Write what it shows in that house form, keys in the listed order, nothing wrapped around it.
{"hour": 8, "minute": 28, "second": 14}
